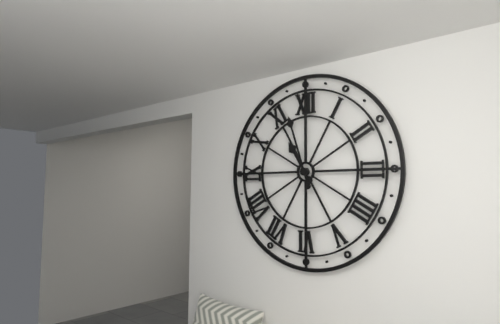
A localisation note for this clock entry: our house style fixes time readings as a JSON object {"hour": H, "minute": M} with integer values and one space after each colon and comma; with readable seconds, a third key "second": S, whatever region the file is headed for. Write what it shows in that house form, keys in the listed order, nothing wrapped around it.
{"hour": 10, "minute": 57}
